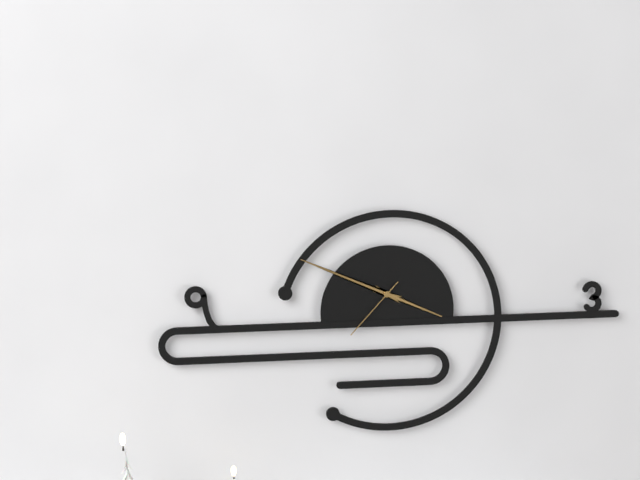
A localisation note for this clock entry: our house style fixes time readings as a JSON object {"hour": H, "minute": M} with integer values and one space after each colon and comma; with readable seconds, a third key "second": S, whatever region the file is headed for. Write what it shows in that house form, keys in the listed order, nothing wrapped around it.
{"hour": 3, "minute": 49, "second": 37}
